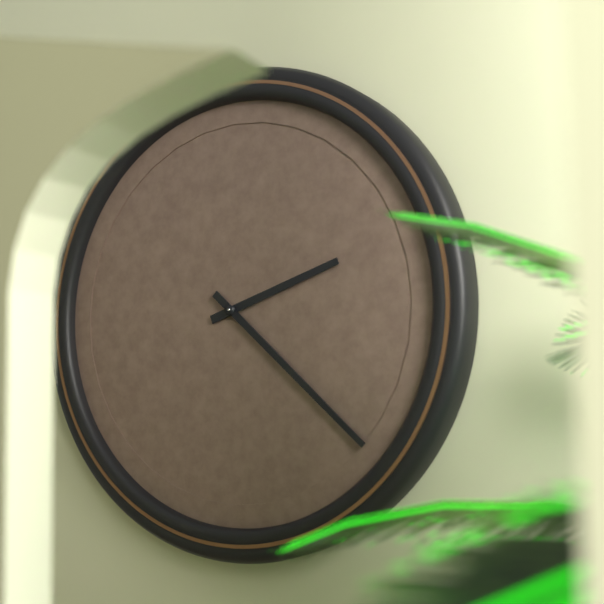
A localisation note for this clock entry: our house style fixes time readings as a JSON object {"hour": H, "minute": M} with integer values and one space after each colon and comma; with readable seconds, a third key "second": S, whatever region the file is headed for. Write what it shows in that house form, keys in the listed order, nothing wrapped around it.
{"hour": 2, "minute": 22}
